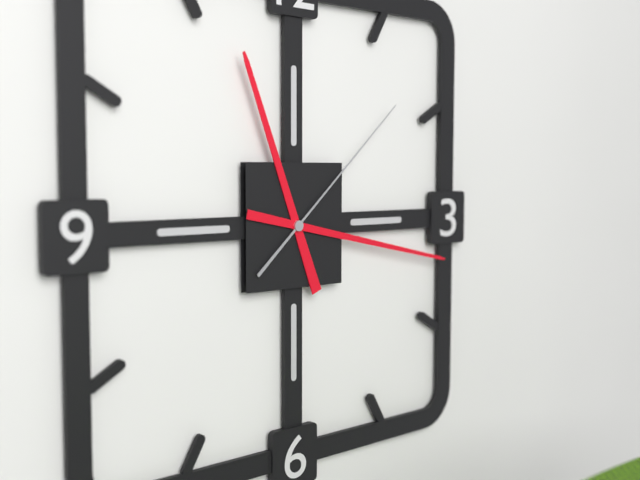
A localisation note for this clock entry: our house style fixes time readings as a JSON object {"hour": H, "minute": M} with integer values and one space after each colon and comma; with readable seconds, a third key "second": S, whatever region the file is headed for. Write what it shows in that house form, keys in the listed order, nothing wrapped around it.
{"hour": 11, "minute": 17, "second": 8}
